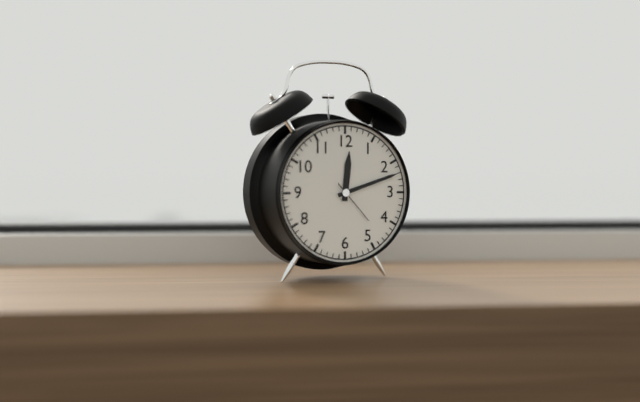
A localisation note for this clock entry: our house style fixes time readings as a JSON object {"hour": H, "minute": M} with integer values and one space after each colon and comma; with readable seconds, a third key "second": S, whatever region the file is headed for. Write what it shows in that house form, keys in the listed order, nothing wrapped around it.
{"hour": 12, "minute": 12, "second": 23}
